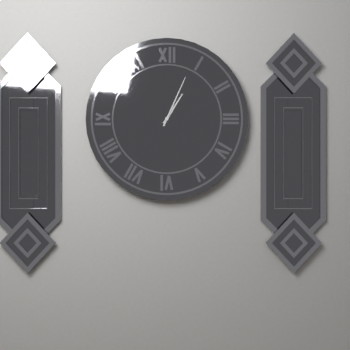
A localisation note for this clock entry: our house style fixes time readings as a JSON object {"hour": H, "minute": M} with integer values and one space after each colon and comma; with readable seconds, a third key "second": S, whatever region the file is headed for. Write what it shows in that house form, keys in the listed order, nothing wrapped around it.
{"hour": 1, "minute": 4}
